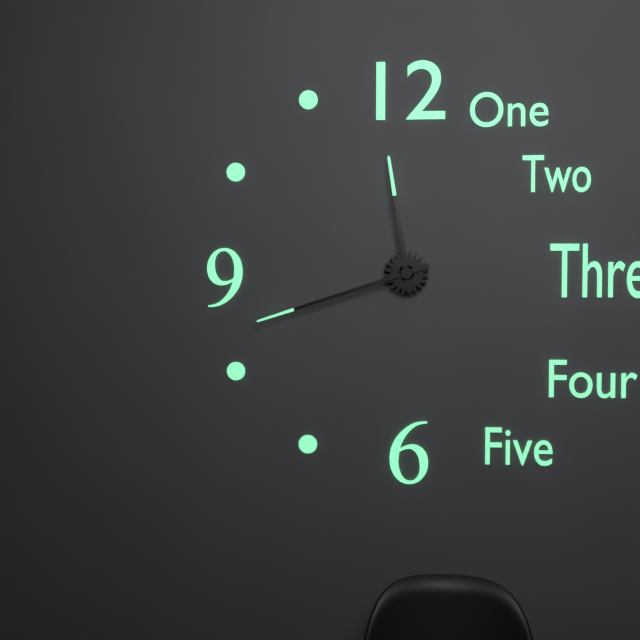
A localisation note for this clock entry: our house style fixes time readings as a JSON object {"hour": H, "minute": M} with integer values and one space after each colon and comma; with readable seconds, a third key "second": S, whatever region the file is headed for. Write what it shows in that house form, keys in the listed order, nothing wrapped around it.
{"hour": 11, "minute": 42}
